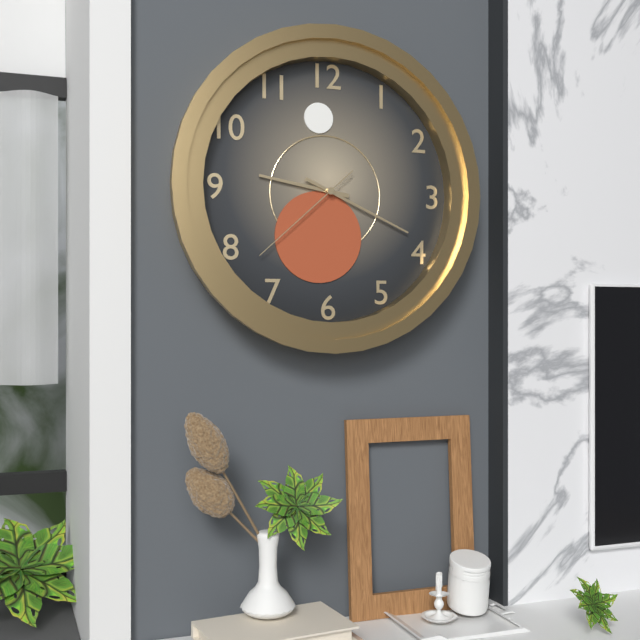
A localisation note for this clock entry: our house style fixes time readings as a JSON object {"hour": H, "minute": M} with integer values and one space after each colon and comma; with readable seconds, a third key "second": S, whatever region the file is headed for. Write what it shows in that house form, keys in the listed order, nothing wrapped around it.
{"hour": 9, "minute": 19, "second": 38}
